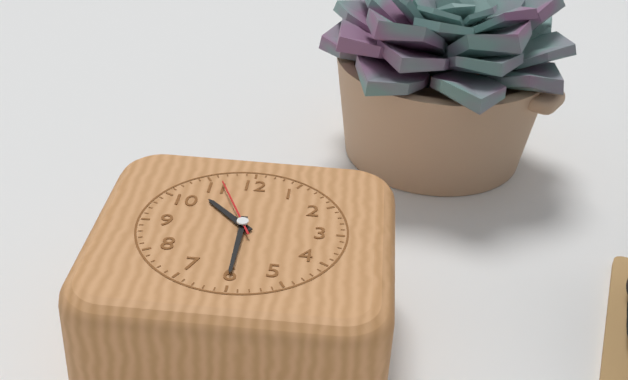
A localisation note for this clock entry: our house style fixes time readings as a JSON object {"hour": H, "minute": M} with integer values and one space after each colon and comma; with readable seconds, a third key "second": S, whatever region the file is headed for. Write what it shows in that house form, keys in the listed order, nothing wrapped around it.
{"hour": 10, "minute": 30, "second": 56}
